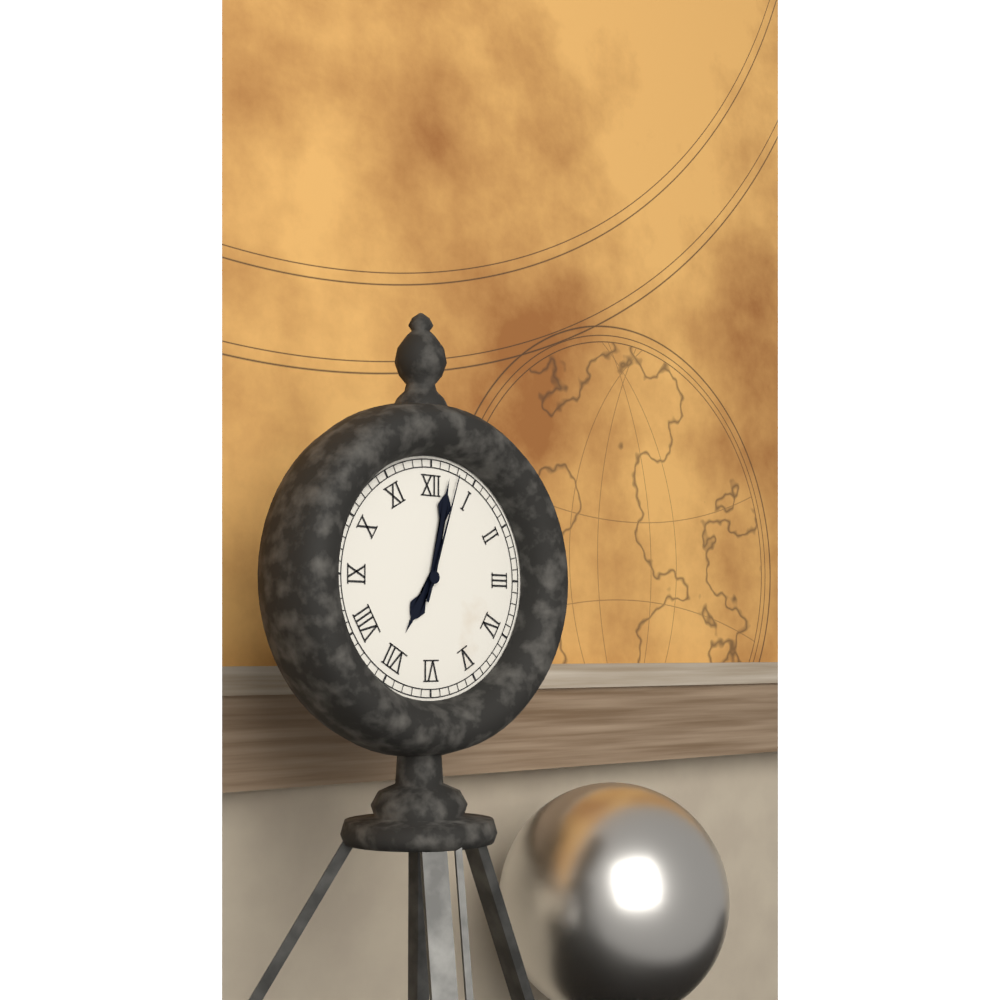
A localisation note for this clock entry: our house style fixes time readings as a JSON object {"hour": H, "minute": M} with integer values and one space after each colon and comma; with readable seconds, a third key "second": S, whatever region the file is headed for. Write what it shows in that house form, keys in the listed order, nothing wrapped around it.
{"hour": 7, "minute": 2, "second": 3}
